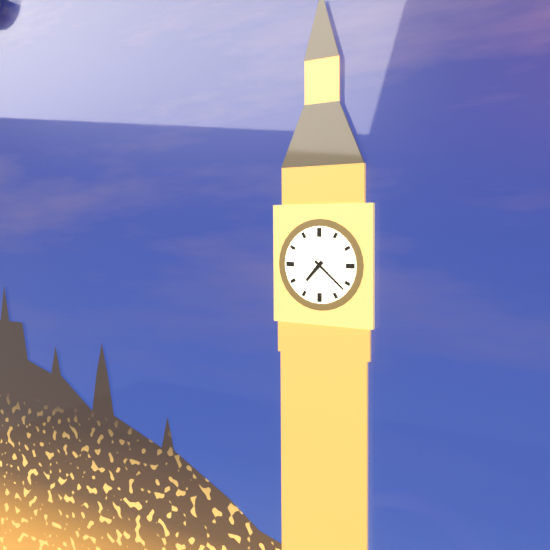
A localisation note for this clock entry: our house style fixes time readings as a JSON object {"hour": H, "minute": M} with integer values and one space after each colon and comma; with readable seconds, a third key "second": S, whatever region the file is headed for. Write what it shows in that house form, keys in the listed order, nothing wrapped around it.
{"hour": 7, "minute": 22}
